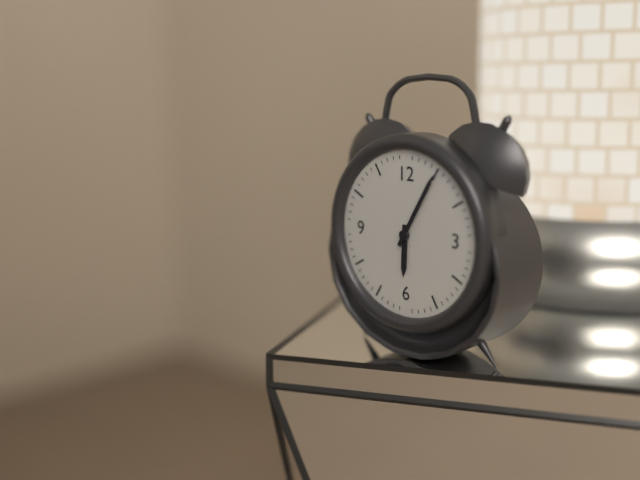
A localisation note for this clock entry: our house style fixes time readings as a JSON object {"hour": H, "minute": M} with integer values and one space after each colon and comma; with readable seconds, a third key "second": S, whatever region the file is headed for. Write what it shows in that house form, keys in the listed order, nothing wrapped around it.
{"hour": 6, "minute": 5}
